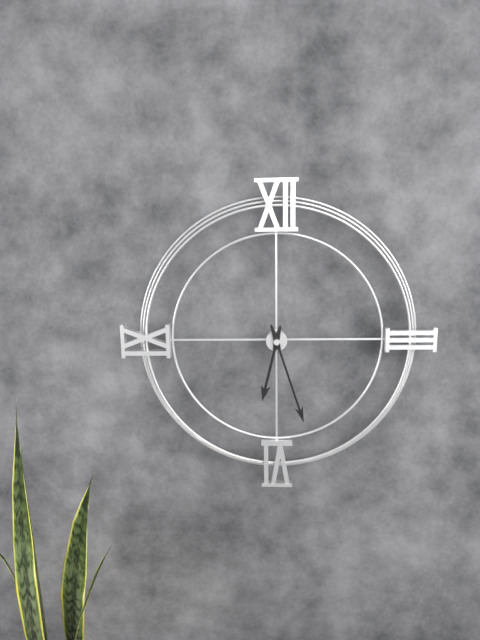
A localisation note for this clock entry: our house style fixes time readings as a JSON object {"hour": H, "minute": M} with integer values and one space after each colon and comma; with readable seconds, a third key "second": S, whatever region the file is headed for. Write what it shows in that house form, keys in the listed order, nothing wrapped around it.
{"hour": 6, "minute": 27}
